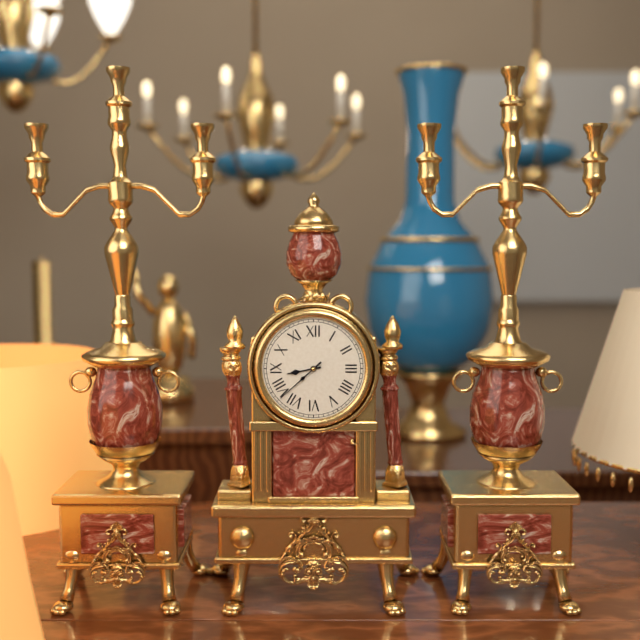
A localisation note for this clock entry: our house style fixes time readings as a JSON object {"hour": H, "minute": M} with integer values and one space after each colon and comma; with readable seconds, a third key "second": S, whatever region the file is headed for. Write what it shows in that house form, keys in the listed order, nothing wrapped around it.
{"hour": 8, "minute": 38}
